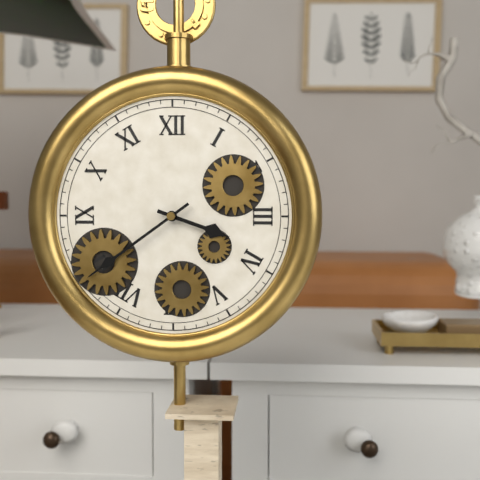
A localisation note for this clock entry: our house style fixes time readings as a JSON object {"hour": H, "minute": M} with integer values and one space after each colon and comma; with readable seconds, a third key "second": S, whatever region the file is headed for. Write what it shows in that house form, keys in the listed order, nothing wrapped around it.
{"hour": 3, "minute": 39}
